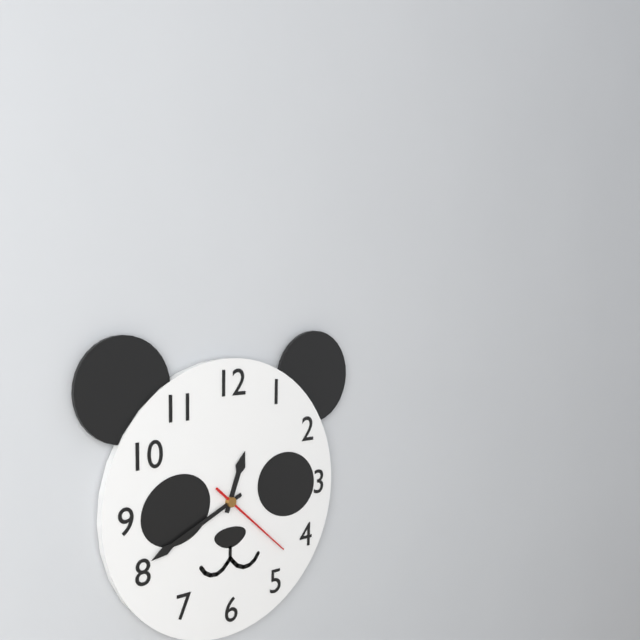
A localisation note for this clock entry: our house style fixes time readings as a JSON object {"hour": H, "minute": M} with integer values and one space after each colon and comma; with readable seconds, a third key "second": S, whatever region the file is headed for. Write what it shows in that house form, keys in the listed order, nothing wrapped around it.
{"hour": 12, "minute": 41, "second": 22}
